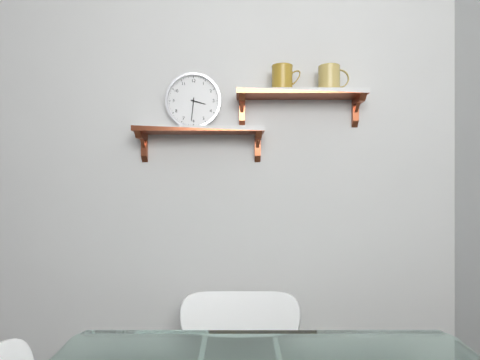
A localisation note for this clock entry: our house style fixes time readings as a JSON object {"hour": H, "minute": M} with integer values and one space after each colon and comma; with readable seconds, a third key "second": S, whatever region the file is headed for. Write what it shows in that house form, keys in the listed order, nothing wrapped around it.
{"hour": 3, "minute": 31}
